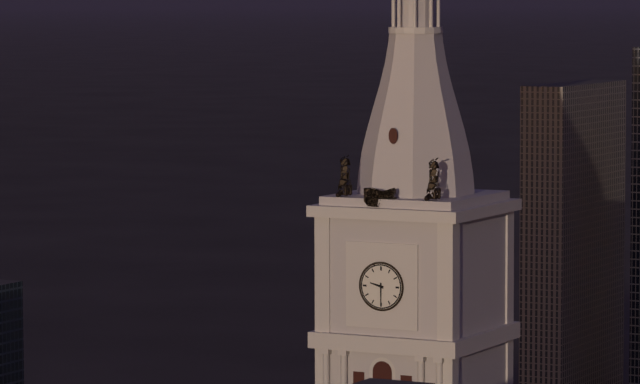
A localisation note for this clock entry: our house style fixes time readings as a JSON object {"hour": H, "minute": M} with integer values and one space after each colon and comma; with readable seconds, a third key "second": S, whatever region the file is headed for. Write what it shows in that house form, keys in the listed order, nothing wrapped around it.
{"hour": 9, "minute": 30}
